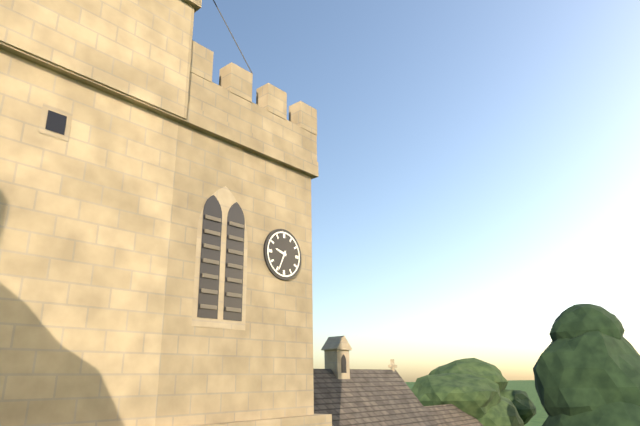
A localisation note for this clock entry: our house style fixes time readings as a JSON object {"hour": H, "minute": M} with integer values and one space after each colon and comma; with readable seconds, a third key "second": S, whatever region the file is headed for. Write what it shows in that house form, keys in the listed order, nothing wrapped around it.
{"hour": 9, "minute": 34}
